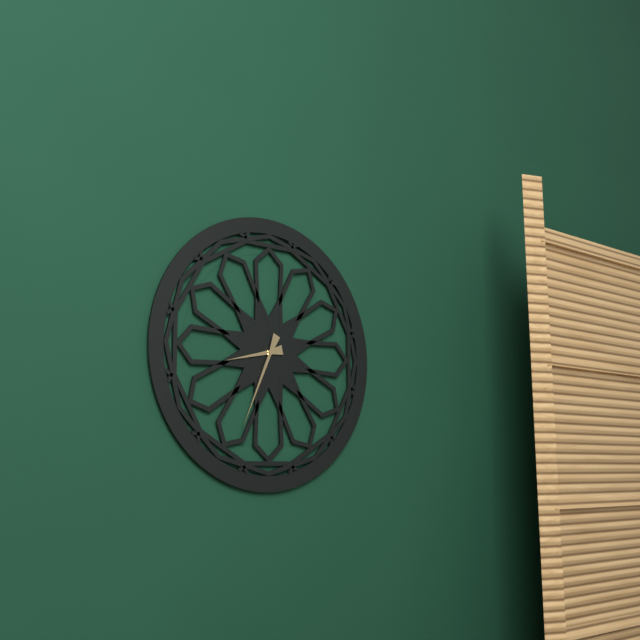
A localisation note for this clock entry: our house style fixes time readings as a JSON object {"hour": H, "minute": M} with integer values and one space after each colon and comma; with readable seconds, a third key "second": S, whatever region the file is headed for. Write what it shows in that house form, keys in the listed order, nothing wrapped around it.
{"hour": 8, "minute": 34}
